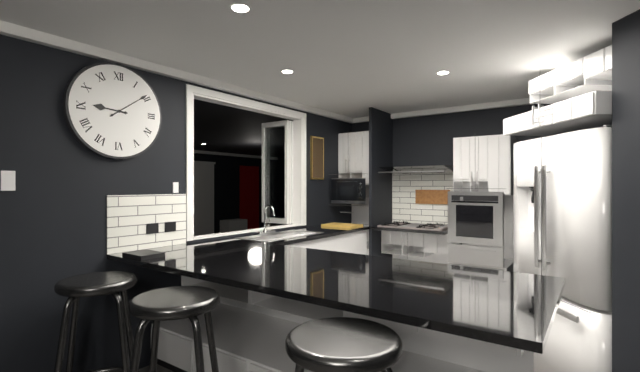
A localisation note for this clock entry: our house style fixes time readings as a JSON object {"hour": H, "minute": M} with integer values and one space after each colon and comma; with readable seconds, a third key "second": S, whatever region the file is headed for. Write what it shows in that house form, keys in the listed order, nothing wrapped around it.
{"hour": 9, "minute": 9}
